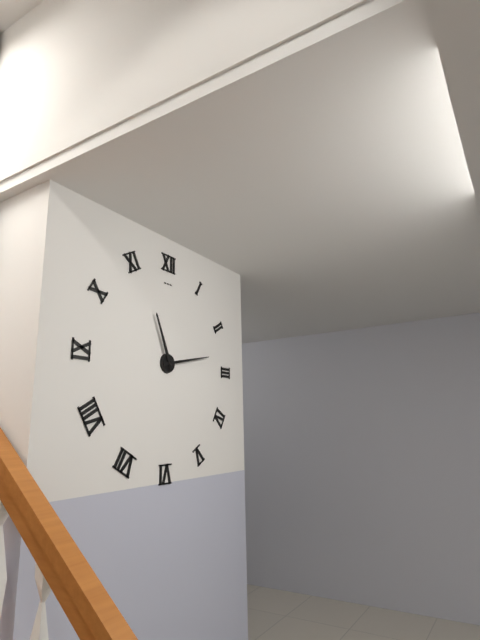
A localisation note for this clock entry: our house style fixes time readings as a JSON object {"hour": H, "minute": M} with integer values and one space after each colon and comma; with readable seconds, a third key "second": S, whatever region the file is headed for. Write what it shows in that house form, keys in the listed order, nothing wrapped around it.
{"hour": 11, "minute": 13}
